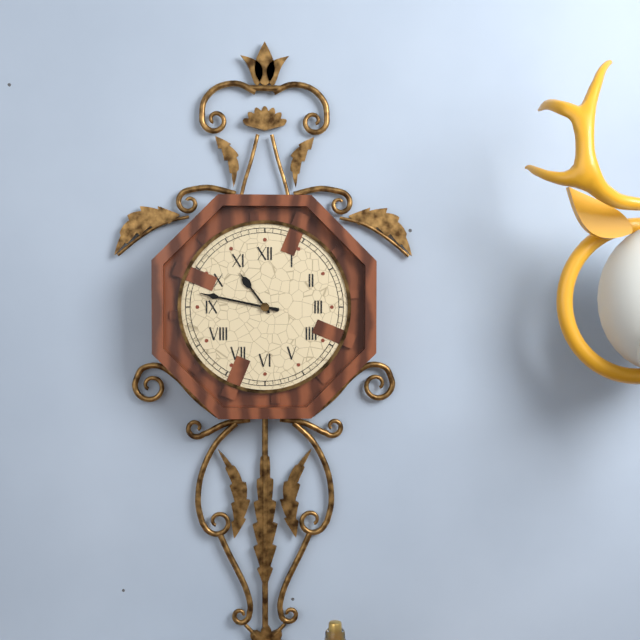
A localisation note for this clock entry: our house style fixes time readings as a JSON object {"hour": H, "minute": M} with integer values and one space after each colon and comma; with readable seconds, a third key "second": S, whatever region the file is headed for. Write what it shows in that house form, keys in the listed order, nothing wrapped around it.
{"hour": 10, "minute": 47}
